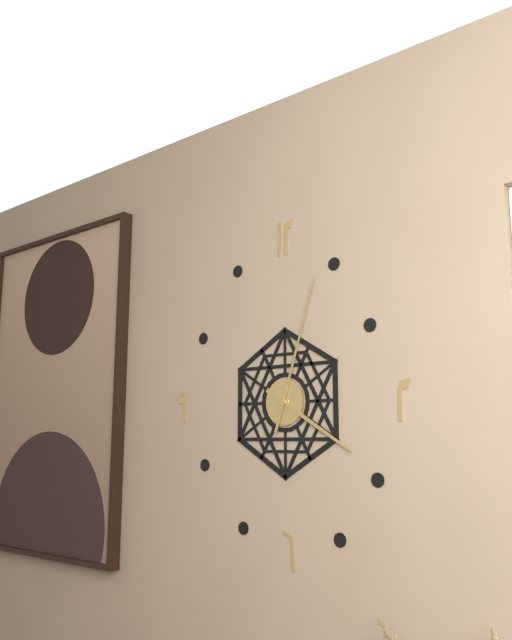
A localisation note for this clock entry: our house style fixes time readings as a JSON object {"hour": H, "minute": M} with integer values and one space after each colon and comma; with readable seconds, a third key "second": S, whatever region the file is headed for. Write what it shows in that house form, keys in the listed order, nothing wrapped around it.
{"hour": 4, "minute": 3}
